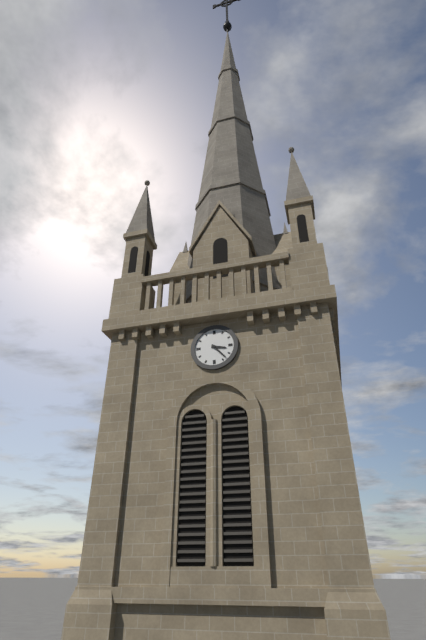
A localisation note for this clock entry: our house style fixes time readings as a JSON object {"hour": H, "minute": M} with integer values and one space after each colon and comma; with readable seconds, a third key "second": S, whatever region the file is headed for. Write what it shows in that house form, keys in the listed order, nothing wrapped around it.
{"hour": 3, "minute": 23}
